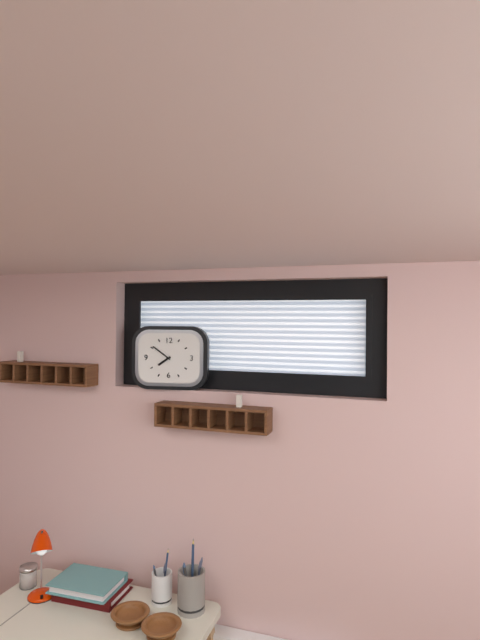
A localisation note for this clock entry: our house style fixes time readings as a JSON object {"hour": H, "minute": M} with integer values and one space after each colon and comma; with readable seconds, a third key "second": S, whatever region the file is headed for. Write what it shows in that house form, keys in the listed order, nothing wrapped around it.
{"hour": 7, "minute": 51}
